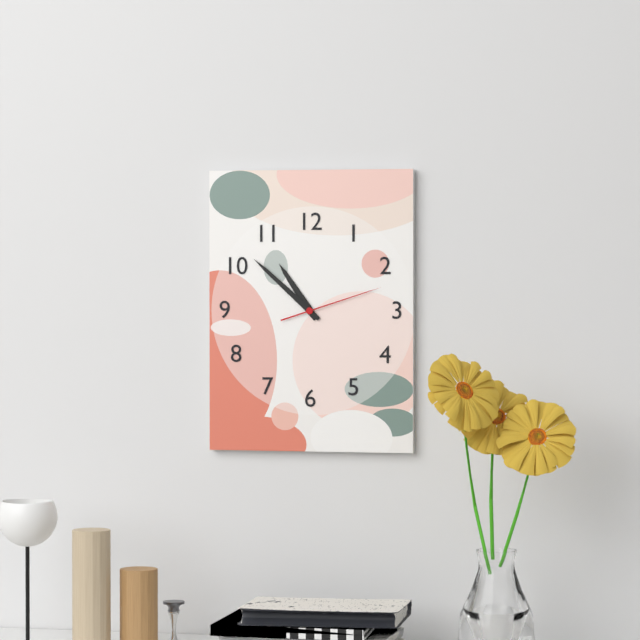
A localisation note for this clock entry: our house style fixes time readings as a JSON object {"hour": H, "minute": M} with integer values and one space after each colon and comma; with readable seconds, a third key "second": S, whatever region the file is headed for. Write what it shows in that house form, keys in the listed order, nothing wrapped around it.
{"hour": 10, "minute": 52, "second": 12}
